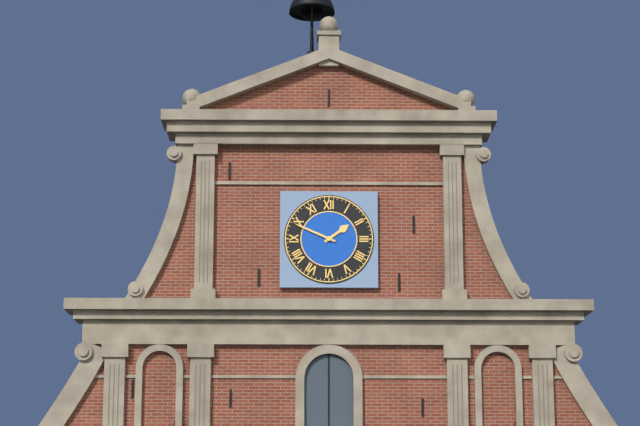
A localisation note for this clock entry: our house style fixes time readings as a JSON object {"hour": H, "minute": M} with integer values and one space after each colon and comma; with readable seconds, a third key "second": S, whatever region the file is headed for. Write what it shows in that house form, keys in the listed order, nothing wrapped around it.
{"hour": 1, "minute": 49}
